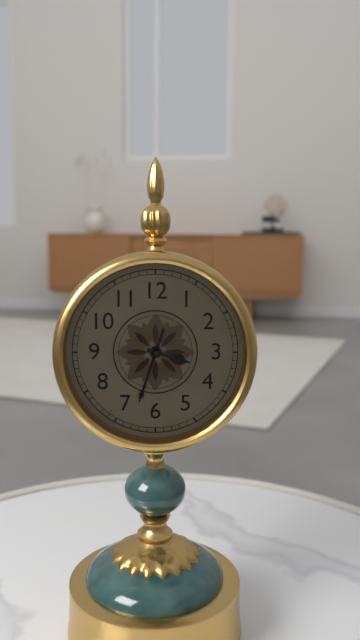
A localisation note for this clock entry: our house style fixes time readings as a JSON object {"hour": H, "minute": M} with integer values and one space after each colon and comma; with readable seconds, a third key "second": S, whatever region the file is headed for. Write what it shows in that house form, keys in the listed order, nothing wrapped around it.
{"hour": 3, "minute": 33}
